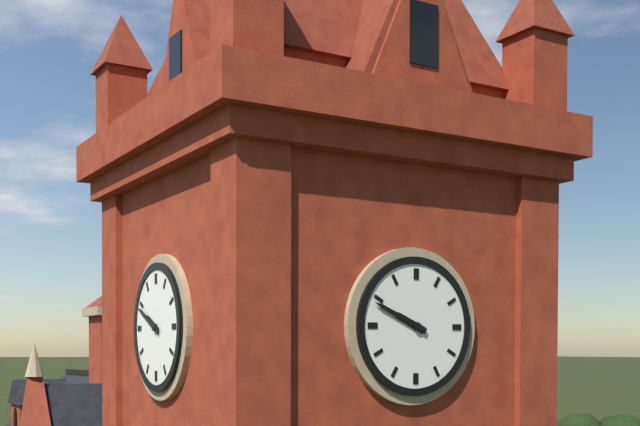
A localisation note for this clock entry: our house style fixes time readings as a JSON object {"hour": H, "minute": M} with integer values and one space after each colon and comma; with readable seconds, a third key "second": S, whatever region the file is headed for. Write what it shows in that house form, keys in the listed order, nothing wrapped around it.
{"hour": 9, "minute": 49}
